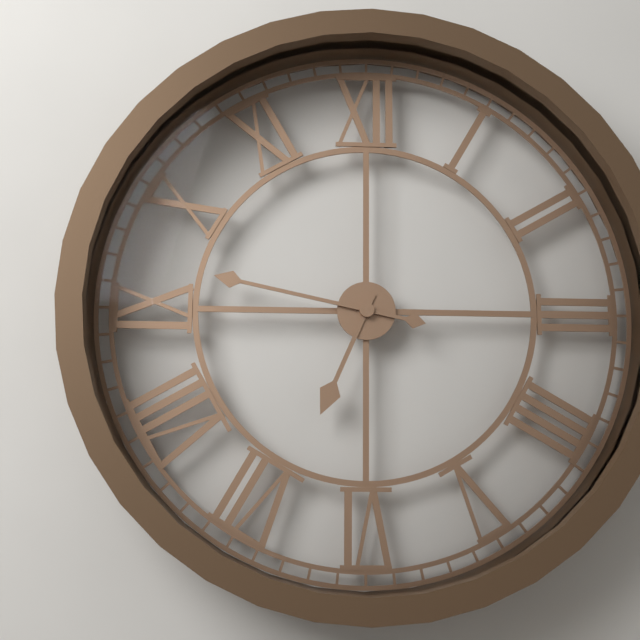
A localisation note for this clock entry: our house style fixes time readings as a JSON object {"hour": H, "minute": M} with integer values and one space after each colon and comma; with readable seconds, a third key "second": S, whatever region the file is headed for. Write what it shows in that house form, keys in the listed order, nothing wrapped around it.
{"hour": 6, "minute": 47}
